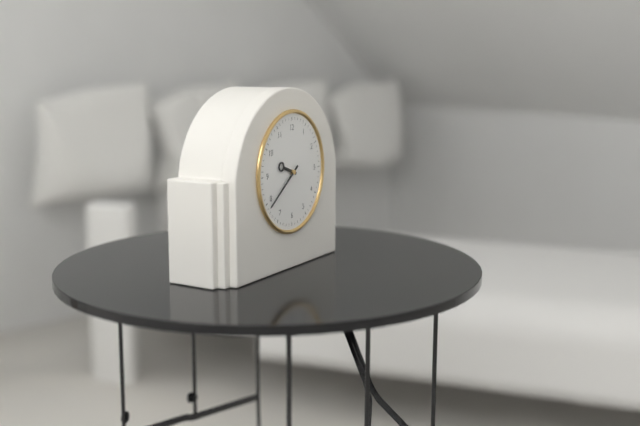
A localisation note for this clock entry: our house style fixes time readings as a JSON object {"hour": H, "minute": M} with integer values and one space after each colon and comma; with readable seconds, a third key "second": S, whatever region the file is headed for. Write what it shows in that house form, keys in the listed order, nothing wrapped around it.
{"hour": 9, "minute": 39}
